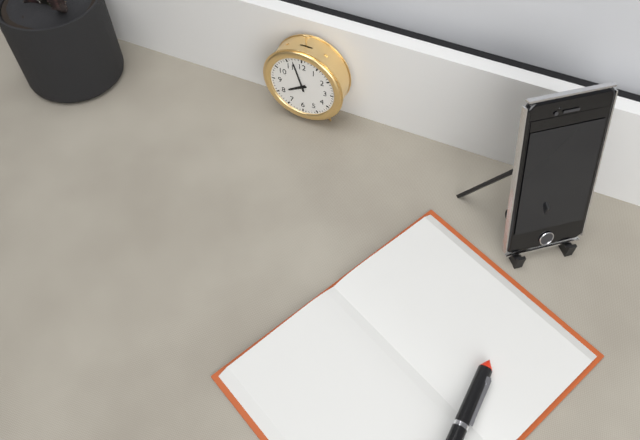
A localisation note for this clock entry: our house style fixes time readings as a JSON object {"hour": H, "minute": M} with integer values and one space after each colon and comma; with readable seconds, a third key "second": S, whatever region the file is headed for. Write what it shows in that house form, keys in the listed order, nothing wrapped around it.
{"hour": 7, "minute": 57}
